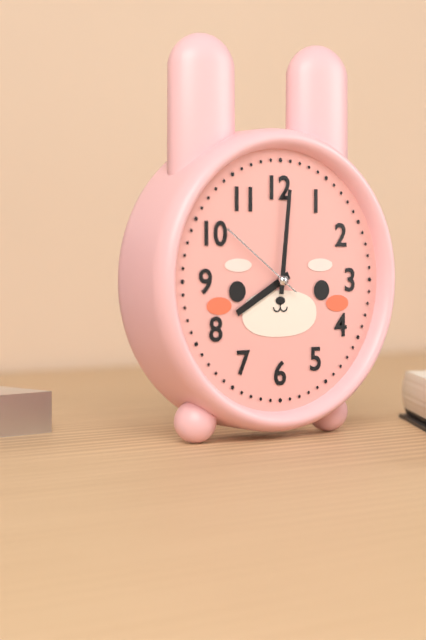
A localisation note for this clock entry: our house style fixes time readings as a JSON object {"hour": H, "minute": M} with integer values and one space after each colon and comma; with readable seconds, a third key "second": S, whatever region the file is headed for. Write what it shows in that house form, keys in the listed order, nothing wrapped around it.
{"hour": 8, "minute": 1, "second": 51}
